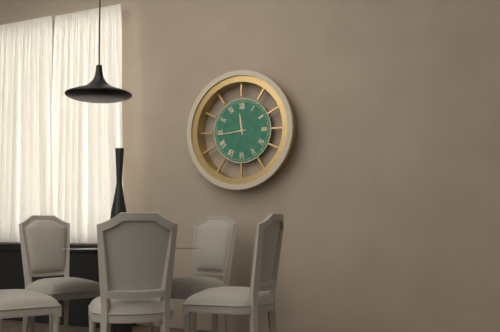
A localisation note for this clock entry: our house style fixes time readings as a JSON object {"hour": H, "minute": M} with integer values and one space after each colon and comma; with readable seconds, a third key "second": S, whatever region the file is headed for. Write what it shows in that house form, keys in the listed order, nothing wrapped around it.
{"hour": 11, "minute": 44}
